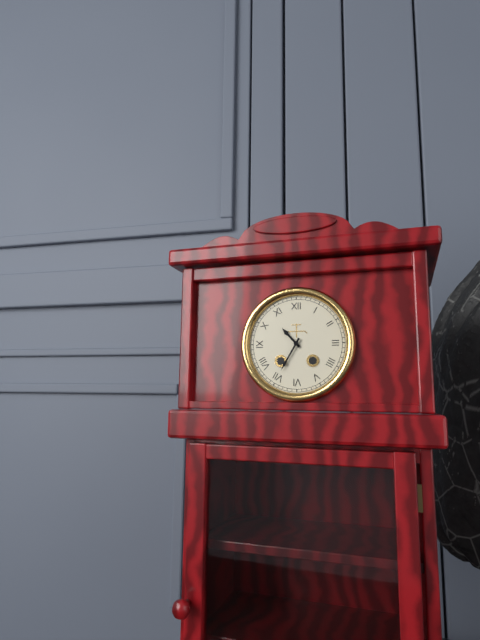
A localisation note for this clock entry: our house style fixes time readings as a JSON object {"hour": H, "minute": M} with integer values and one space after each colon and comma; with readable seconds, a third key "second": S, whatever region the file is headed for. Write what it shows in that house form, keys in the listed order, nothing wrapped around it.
{"hour": 10, "minute": 35}
